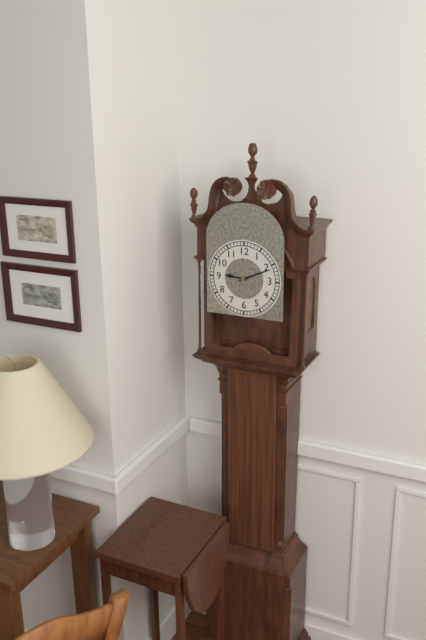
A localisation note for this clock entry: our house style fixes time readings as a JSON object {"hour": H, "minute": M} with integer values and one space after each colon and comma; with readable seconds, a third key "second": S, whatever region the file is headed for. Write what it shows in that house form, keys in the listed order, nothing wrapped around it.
{"hour": 9, "minute": 11}
